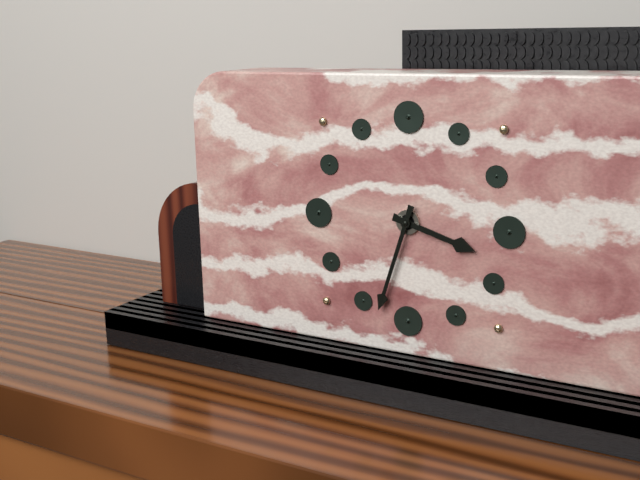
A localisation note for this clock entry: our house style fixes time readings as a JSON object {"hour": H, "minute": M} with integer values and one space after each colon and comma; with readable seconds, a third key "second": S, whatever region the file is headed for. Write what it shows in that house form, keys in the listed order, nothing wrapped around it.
{"hour": 3, "minute": 33}
